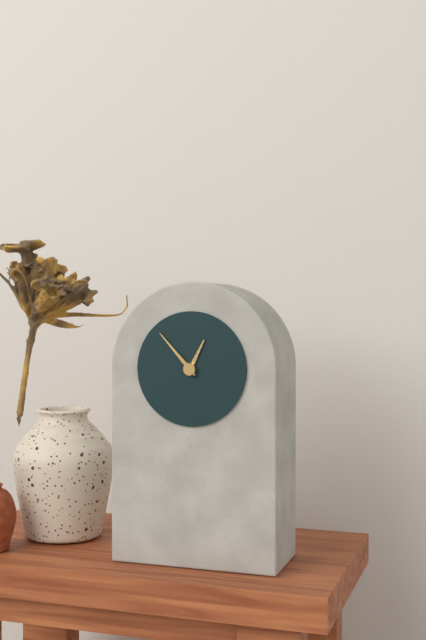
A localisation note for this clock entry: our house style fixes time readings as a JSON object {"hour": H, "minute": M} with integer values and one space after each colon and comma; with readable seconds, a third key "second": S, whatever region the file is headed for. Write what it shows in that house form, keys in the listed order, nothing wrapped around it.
{"hour": 12, "minute": 53}
